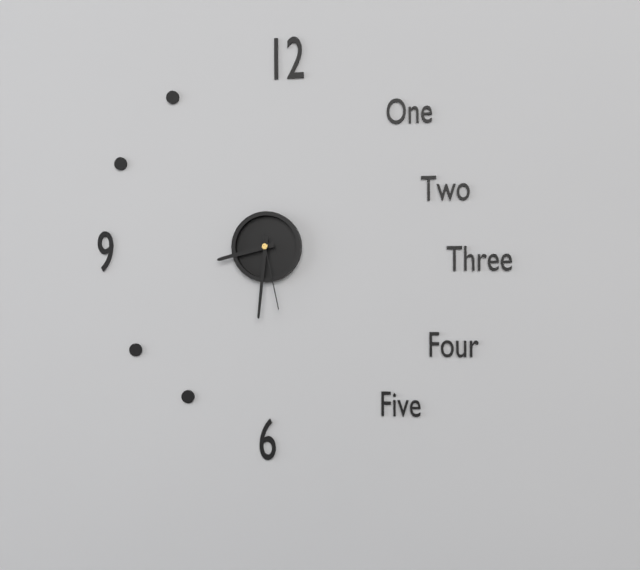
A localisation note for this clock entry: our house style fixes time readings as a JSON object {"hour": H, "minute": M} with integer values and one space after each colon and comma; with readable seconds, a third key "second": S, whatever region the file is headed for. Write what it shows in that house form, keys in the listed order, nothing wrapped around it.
{"hour": 8, "minute": 31, "second": 28}
